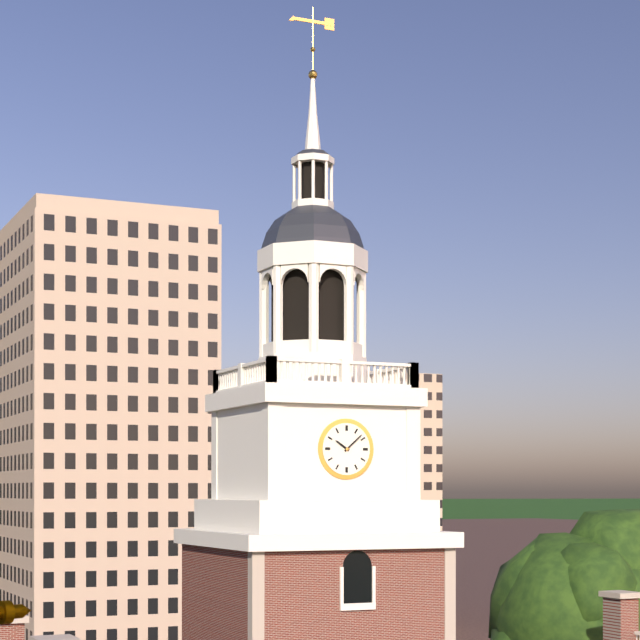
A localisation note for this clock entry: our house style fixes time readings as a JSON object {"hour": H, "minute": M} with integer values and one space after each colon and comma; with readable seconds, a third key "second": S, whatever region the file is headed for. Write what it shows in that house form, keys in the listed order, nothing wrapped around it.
{"hour": 10, "minute": 8}
